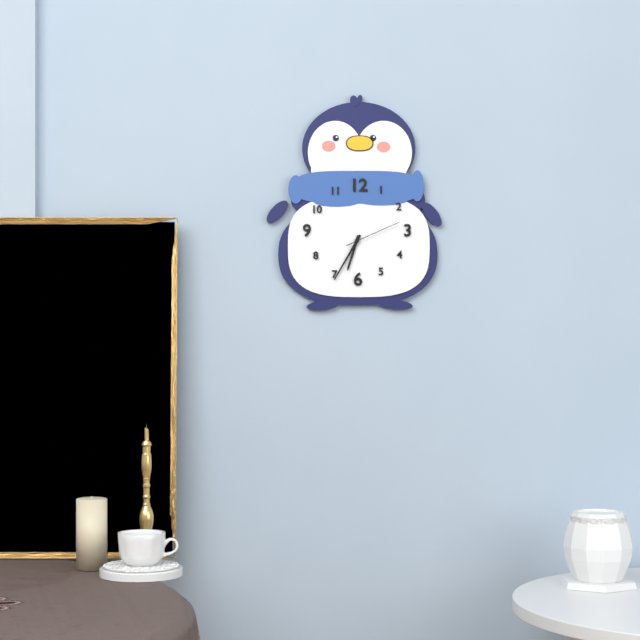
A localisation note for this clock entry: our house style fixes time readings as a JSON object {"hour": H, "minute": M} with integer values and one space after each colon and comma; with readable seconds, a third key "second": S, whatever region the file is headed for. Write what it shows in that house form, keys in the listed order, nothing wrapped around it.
{"hour": 6, "minute": 35, "second": 11}
